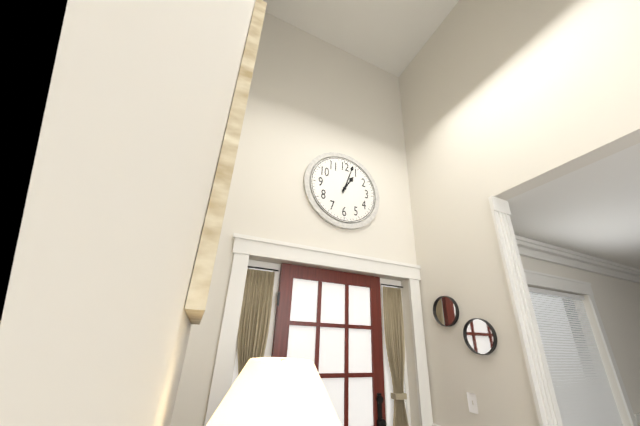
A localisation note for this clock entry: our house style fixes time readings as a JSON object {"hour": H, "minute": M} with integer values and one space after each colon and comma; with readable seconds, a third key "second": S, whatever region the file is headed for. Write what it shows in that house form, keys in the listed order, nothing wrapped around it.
{"hour": 1, "minute": 3}
